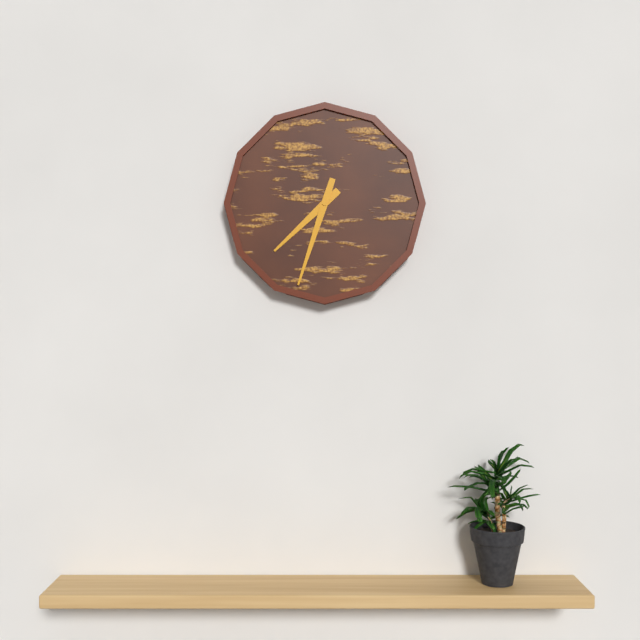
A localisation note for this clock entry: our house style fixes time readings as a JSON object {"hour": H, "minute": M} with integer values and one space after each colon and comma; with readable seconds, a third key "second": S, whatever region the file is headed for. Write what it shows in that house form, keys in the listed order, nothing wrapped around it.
{"hour": 7, "minute": 33}
